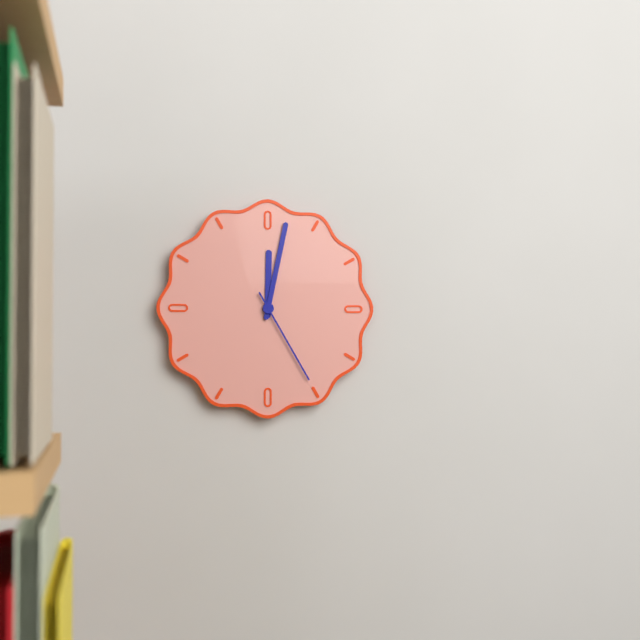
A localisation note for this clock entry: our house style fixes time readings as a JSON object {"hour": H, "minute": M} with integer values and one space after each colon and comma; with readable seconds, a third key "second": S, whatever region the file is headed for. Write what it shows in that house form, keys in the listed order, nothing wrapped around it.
{"hour": 12, "minute": 2, "second": 25}
